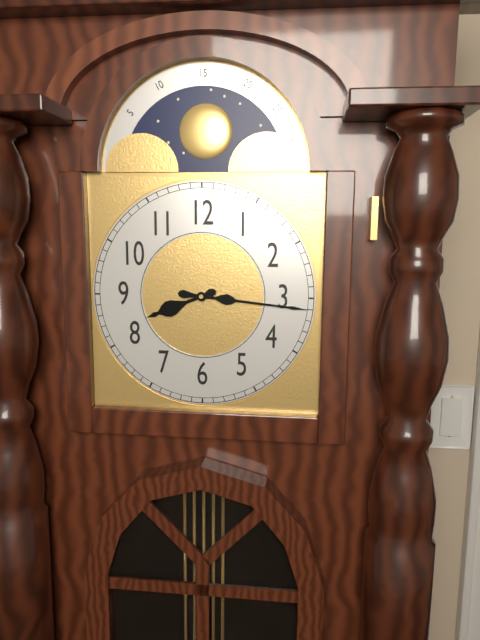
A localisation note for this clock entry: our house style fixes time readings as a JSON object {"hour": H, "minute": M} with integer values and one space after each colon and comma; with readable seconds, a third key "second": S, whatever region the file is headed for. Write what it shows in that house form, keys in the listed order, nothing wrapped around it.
{"hour": 8, "minute": 16}
